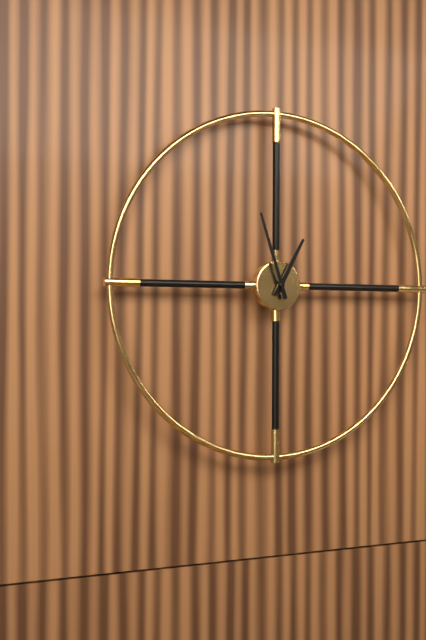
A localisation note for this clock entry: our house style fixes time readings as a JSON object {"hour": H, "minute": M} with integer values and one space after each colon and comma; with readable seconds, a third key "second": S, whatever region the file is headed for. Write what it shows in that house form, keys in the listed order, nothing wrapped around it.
{"hour": 12, "minute": 57}
